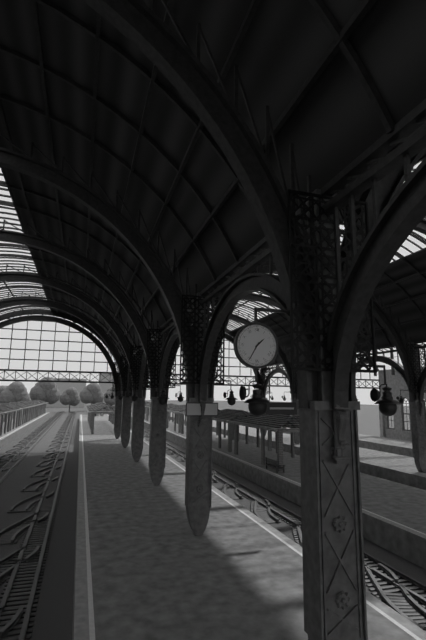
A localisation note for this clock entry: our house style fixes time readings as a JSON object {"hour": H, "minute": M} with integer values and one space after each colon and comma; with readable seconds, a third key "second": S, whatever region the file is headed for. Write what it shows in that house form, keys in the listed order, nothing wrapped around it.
{"hour": 1, "minute": 35}
